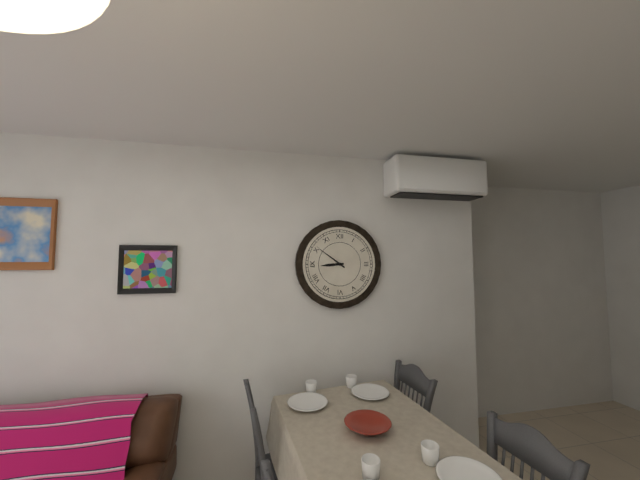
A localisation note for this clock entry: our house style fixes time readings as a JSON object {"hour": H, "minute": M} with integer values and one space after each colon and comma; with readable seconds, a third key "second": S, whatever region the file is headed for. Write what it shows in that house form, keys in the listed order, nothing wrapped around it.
{"hour": 8, "minute": 51}
